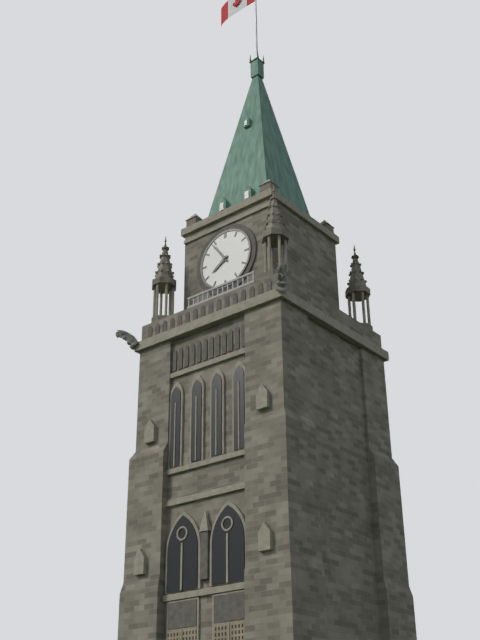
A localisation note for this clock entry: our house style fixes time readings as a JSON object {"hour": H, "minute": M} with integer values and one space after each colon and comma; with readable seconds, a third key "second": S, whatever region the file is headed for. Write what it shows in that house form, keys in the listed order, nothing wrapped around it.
{"hour": 7, "minute": 54}
